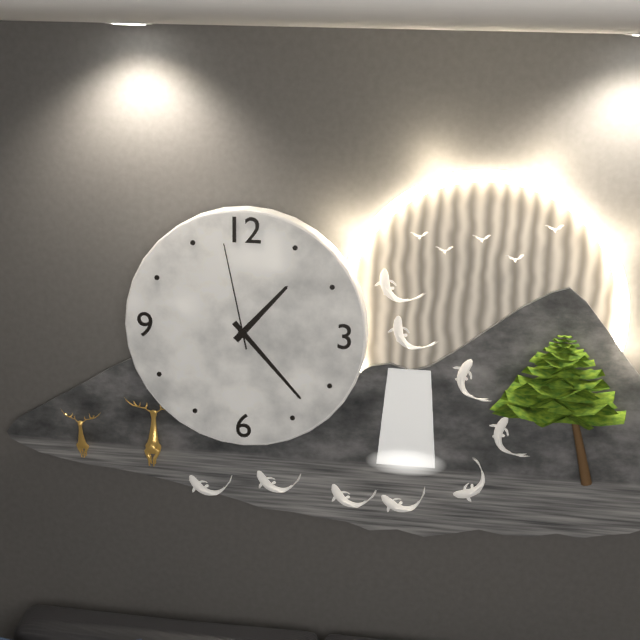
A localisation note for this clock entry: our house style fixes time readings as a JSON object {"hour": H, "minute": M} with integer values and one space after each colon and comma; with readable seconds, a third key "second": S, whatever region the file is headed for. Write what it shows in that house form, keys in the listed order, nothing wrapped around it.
{"hour": 1, "minute": 23, "second": 58}
